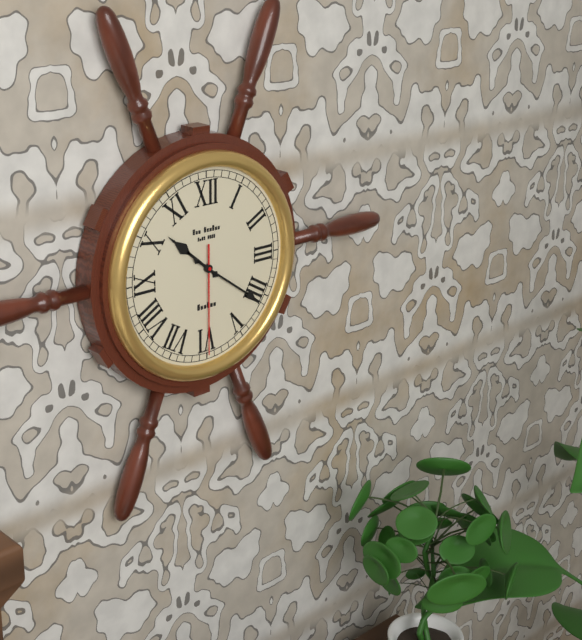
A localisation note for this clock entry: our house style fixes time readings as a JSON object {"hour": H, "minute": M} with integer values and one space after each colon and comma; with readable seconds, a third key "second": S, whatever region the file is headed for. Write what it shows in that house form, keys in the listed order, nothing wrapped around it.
{"hour": 10, "minute": 21, "second": 30}
